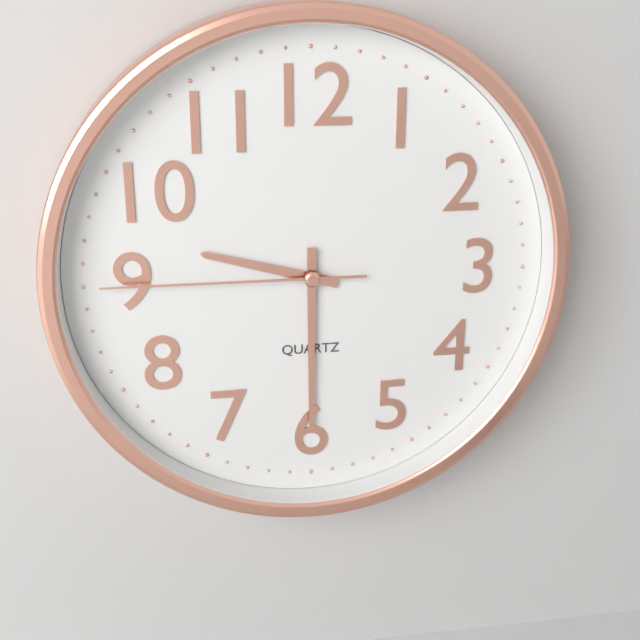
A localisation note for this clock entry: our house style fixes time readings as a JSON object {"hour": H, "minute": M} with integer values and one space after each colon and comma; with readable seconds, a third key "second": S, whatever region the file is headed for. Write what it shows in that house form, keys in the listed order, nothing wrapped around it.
{"hour": 9, "minute": 30, "second": 45}
